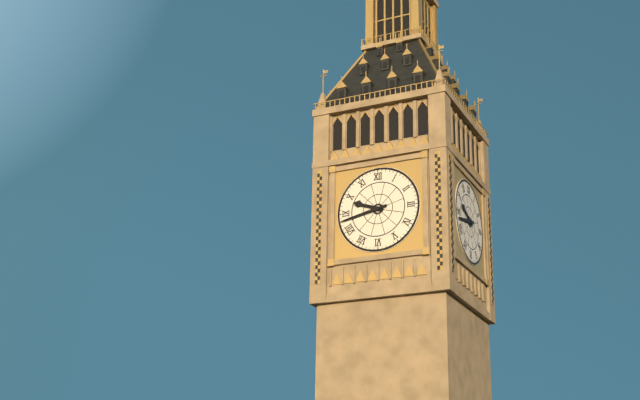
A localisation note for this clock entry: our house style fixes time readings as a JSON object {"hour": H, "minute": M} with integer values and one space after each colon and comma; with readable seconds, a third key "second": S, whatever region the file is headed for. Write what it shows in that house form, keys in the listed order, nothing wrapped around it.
{"hour": 9, "minute": 43}
